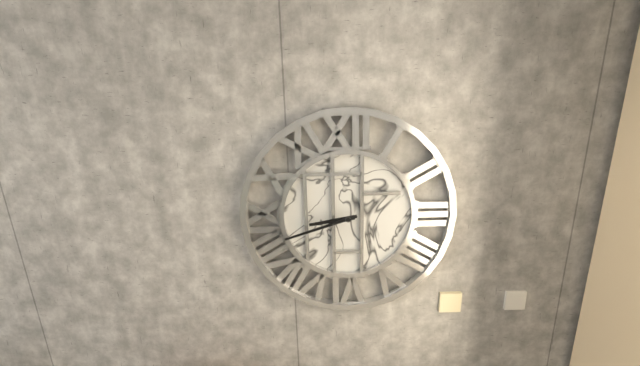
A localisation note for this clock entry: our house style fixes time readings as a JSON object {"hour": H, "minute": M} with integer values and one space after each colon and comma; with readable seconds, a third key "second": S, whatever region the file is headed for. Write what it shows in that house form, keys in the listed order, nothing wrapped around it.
{"hour": 8, "minute": 42}
